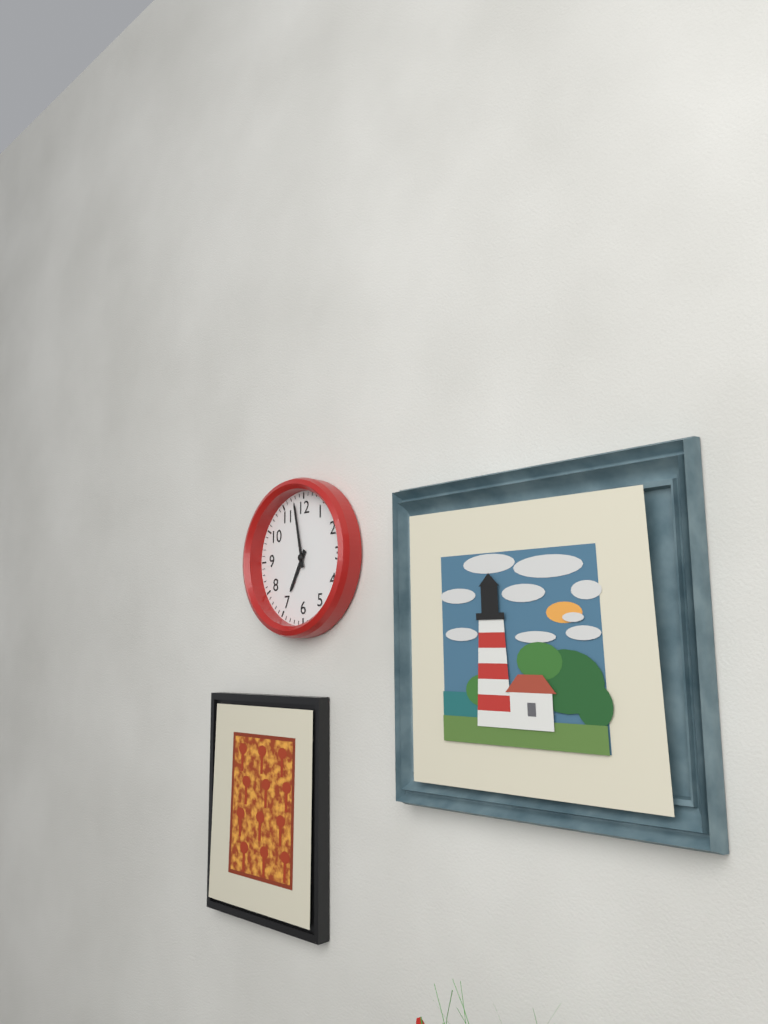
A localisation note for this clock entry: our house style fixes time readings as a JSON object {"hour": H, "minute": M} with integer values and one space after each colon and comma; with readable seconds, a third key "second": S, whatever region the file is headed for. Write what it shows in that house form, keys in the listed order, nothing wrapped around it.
{"hour": 6, "minute": 58}
